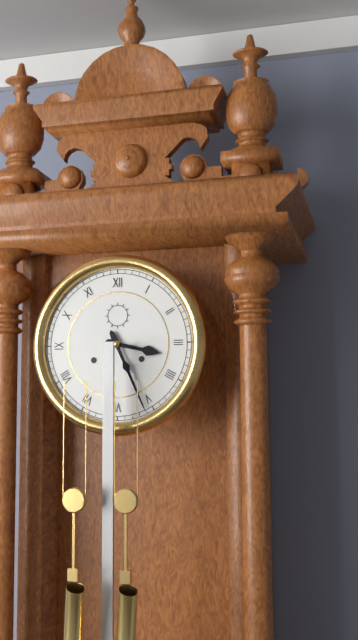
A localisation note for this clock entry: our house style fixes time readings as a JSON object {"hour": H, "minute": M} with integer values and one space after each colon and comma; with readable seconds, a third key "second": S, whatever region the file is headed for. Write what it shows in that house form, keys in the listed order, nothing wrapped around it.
{"hour": 3, "minute": 26}
